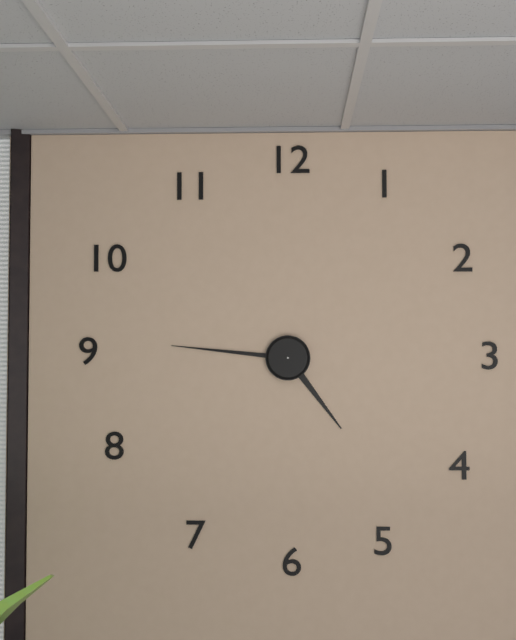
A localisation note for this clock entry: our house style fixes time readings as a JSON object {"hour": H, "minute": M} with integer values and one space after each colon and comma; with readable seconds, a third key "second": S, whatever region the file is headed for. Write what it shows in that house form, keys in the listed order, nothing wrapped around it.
{"hour": 4, "minute": 46}
